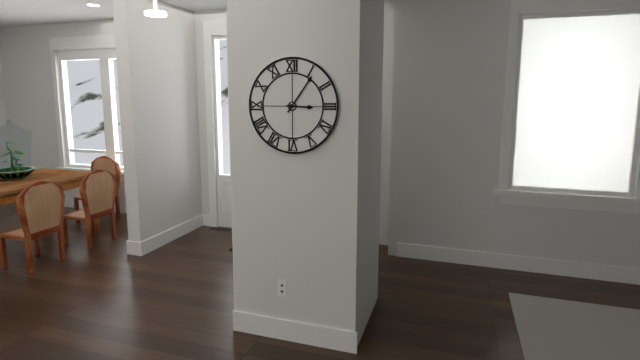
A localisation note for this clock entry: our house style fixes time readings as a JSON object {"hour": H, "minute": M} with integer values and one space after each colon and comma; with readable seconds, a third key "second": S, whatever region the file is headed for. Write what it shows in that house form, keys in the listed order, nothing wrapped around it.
{"hour": 3, "minute": 6}
